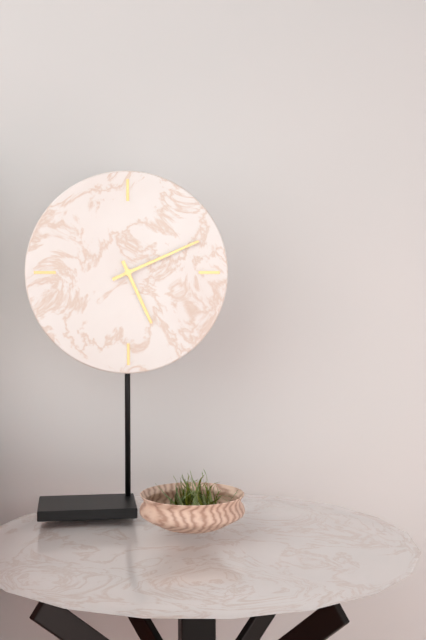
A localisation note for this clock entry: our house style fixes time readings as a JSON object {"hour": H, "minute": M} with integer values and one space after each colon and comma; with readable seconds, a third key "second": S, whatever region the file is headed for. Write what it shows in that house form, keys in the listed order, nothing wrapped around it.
{"hour": 5, "minute": 11}
